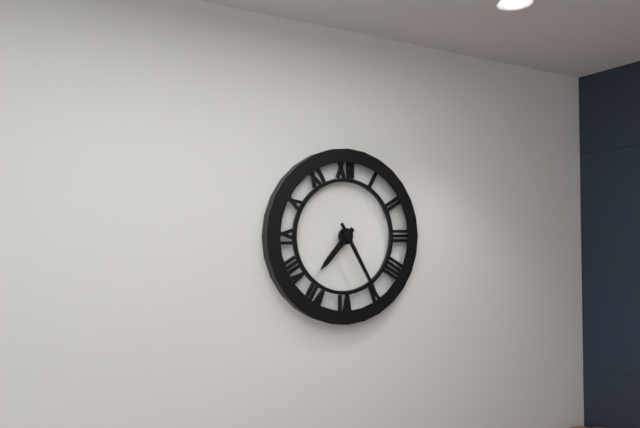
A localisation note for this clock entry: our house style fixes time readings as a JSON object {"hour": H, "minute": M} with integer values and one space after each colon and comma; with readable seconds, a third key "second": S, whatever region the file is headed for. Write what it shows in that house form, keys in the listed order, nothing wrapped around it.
{"hour": 7, "minute": 25}
